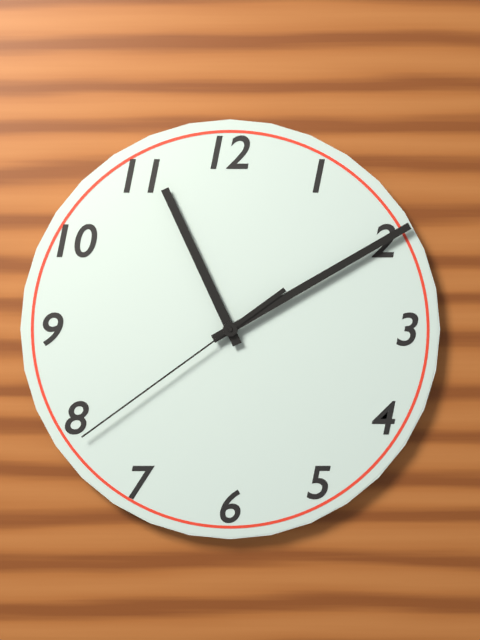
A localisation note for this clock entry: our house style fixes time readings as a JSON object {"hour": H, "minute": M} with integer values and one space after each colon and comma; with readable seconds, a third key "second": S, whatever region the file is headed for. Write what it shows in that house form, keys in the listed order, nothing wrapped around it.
{"hour": 11, "minute": 10, "second": 39}
